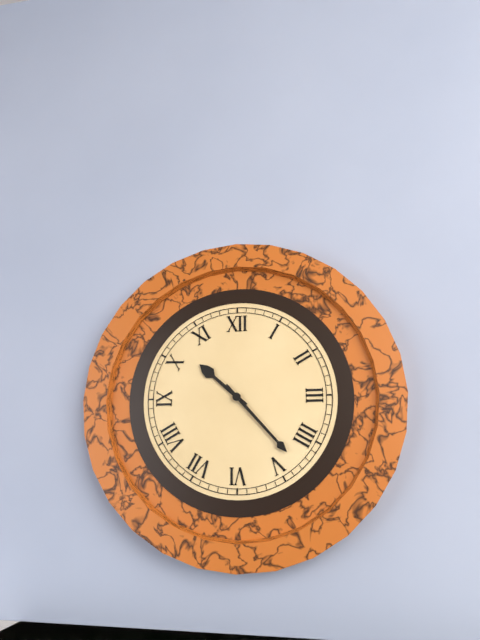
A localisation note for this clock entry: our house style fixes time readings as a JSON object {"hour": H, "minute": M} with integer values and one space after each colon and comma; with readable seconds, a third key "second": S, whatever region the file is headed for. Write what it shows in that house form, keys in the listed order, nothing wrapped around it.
{"hour": 10, "minute": 23}
